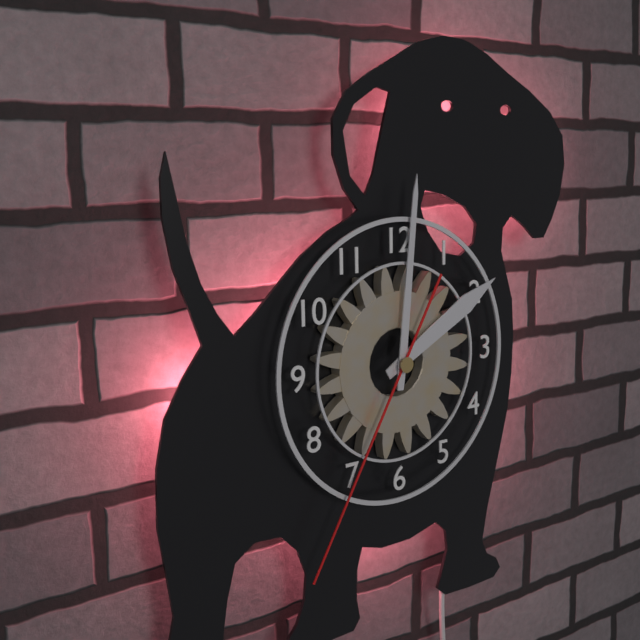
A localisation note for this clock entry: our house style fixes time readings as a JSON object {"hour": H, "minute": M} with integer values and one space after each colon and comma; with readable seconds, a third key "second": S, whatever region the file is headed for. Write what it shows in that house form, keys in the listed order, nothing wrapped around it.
{"hour": 2, "minute": 1, "second": 35}
